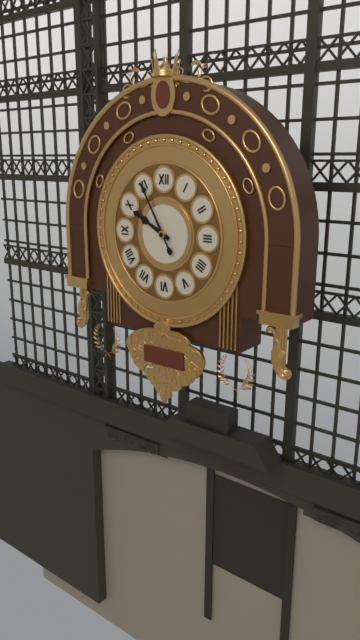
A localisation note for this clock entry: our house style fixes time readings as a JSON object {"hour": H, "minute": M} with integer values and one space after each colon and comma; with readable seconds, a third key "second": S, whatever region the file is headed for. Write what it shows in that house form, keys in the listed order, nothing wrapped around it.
{"hour": 9, "minute": 55}
